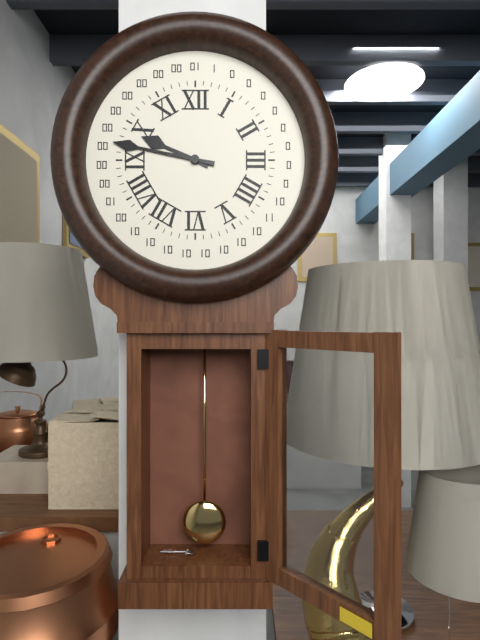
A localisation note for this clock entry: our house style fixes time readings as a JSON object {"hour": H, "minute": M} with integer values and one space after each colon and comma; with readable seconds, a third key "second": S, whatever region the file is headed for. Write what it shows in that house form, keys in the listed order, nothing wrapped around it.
{"hour": 9, "minute": 47}
